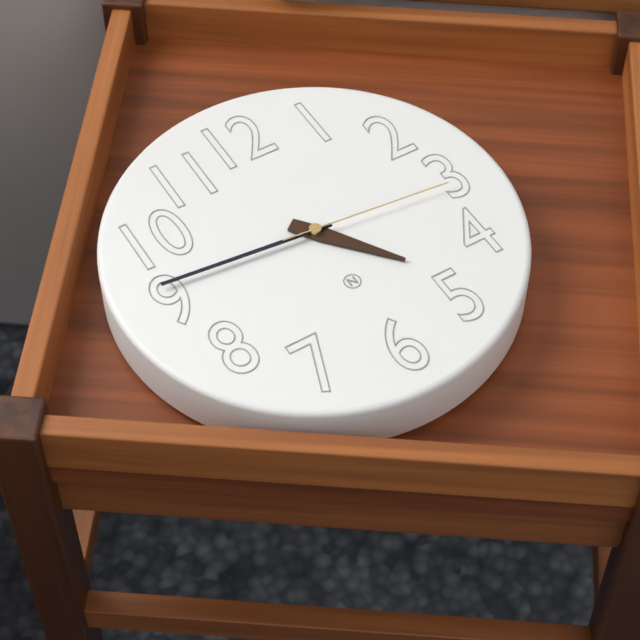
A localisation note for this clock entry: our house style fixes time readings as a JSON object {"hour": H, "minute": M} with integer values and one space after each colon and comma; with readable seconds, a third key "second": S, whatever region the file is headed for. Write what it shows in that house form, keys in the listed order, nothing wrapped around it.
{"hour": 4, "minute": 46, "second": 16}
